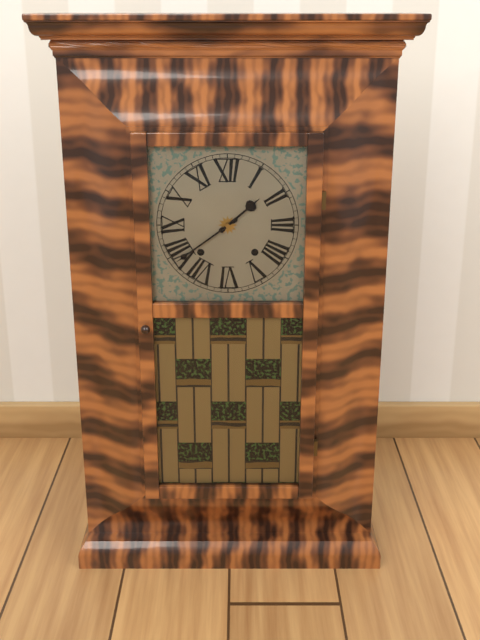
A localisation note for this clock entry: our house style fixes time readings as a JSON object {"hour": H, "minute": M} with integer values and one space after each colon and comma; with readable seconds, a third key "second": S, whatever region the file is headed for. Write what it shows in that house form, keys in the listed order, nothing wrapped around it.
{"hour": 1, "minute": 39}
